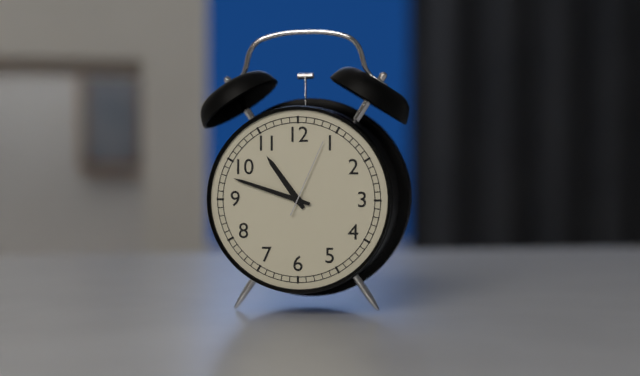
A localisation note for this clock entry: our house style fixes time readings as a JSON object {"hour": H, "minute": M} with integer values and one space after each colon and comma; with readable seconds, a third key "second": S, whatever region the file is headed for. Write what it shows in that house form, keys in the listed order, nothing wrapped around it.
{"hour": 10, "minute": 48, "second": 4}
